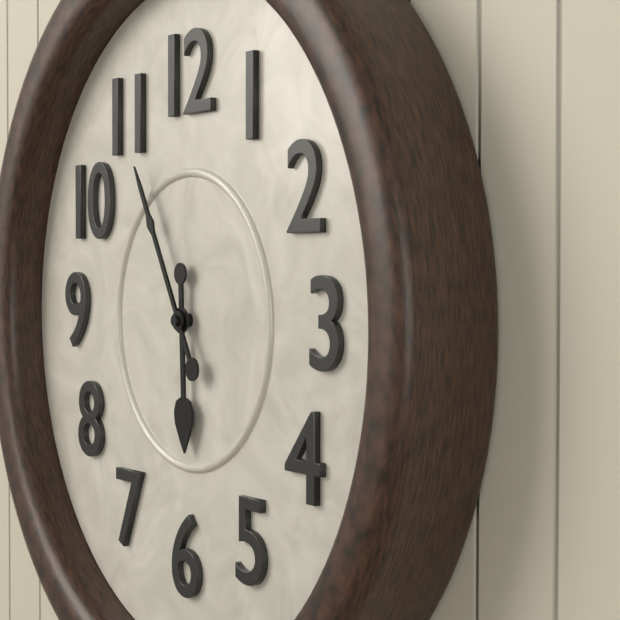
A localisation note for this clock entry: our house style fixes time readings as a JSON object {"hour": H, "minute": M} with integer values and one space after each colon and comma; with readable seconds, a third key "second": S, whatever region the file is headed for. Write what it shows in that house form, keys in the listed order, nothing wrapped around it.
{"hour": 5, "minute": 55}
